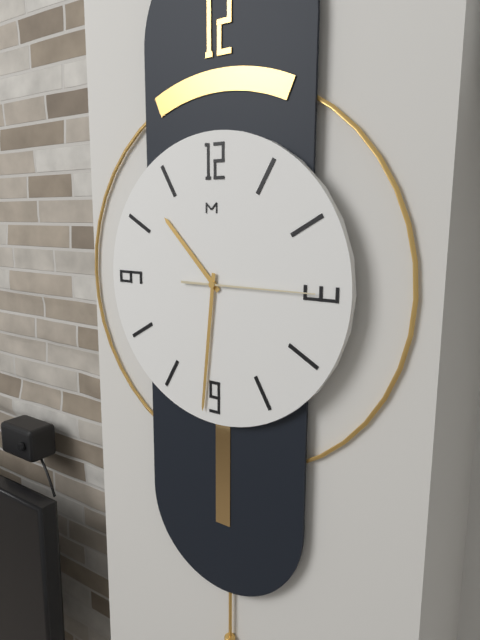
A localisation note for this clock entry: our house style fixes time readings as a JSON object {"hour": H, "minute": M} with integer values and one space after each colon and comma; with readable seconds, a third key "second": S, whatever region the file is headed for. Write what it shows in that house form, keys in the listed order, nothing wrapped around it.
{"hour": 10, "minute": 31, "second": 15}
